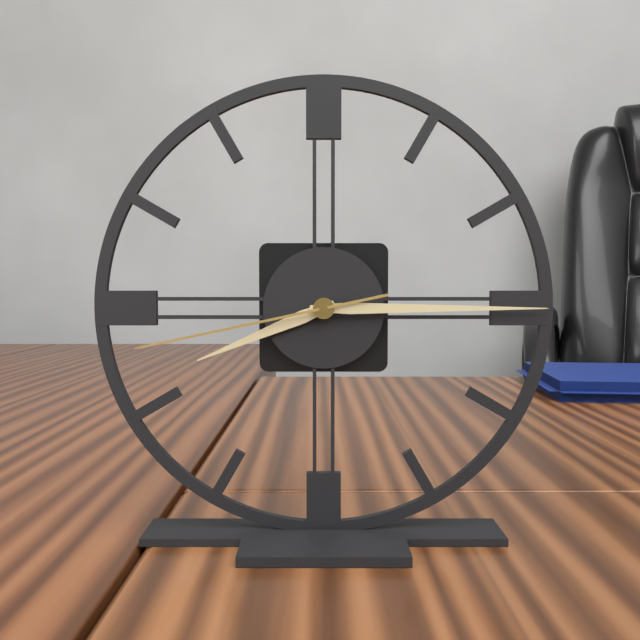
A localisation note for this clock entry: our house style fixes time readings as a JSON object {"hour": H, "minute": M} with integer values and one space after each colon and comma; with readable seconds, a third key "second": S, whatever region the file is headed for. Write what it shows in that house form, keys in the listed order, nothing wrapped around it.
{"hour": 8, "minute": 15, "second": 43}
